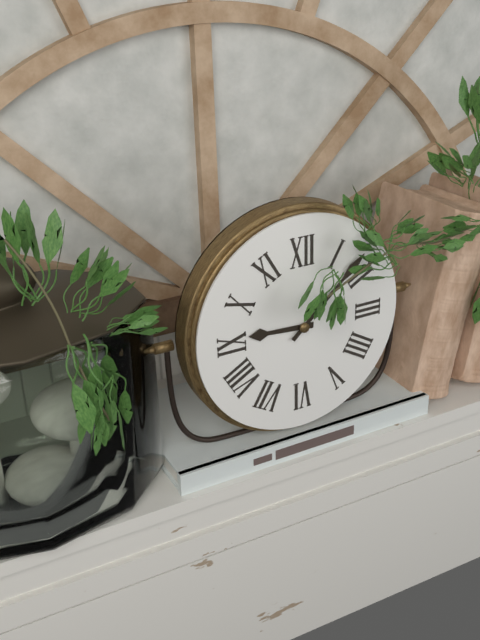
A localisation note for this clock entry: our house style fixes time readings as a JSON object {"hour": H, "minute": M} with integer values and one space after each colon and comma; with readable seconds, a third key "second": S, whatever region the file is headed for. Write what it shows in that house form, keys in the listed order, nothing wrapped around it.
{"hour": 9, "minute": 8}
